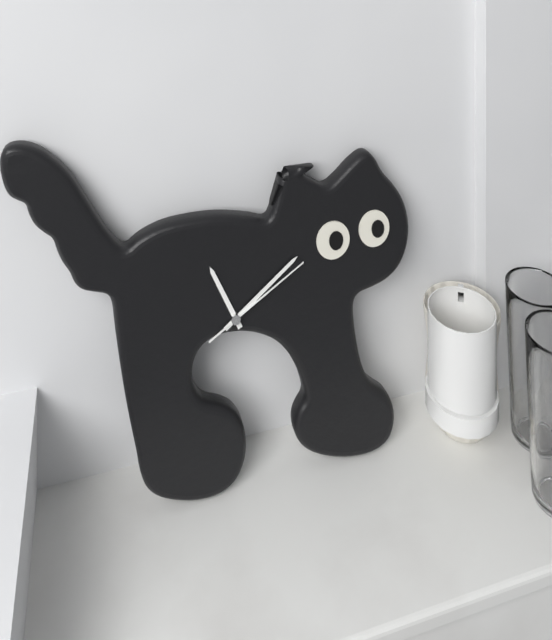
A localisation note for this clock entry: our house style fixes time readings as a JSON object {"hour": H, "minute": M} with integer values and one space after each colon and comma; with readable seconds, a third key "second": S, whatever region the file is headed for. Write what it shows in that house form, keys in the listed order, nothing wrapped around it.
{"hour": 11, "minute": 9, "second": 10}
